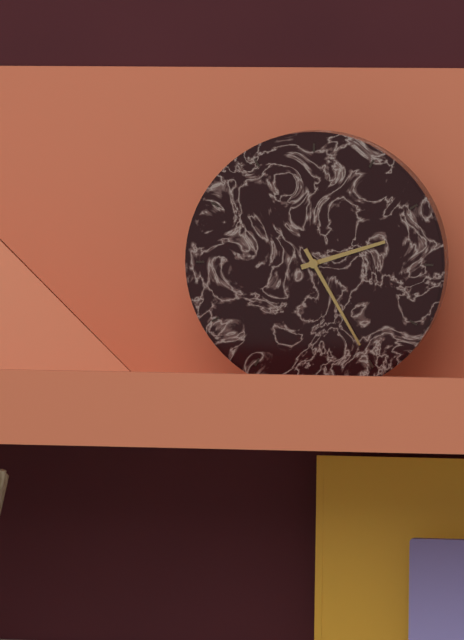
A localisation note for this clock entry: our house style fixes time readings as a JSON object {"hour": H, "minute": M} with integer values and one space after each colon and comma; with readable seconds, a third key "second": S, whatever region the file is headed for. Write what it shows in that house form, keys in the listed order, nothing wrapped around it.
{"hour": 2, "minute": 25}
